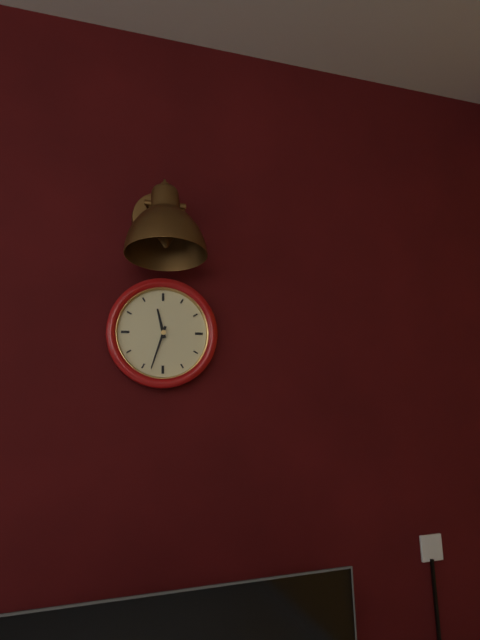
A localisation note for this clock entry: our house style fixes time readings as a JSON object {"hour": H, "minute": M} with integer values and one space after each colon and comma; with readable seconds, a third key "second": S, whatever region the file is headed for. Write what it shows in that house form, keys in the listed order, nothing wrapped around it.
{"hour": 11, "minute": 33}
